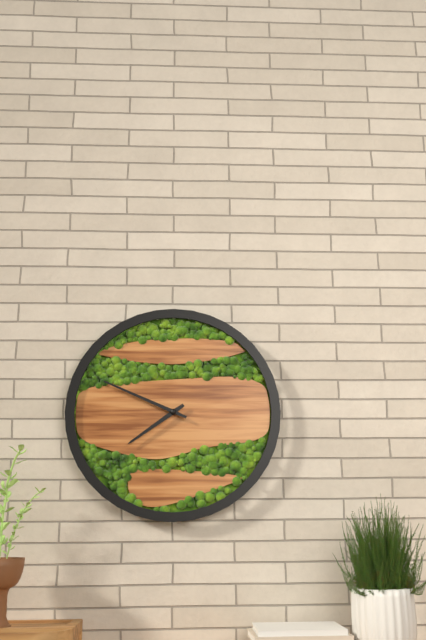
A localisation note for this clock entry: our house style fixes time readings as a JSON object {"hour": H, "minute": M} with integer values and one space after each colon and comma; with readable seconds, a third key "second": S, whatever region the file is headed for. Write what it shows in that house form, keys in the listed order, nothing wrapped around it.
{"hour": 7, "minute": 49}
